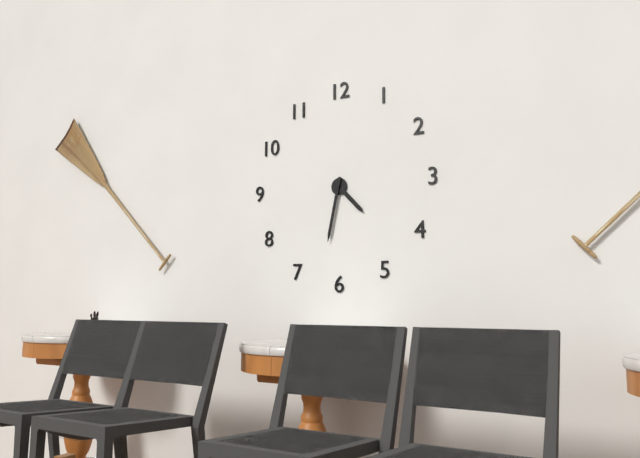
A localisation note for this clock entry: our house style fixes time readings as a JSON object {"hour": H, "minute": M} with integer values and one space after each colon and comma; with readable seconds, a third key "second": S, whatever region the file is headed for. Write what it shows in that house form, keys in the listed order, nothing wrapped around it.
{"hour": 4, "minute": 32}
